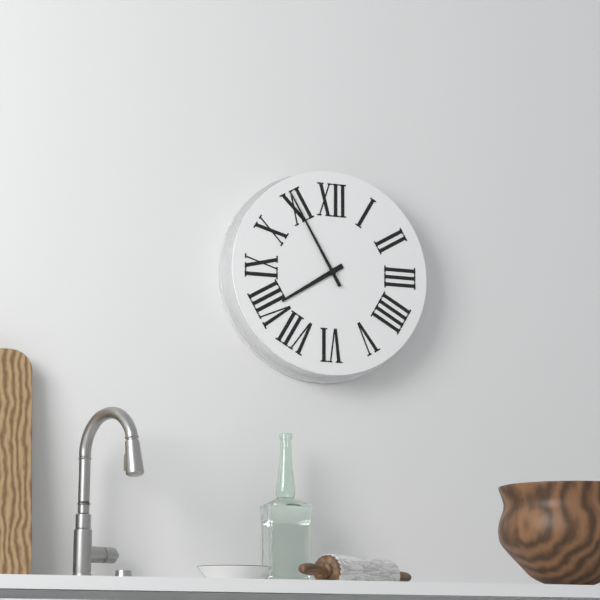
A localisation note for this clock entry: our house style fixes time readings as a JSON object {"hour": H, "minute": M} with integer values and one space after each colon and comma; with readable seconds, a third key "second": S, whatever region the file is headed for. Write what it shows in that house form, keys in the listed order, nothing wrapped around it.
{"hour": 7, "minute": 55}
